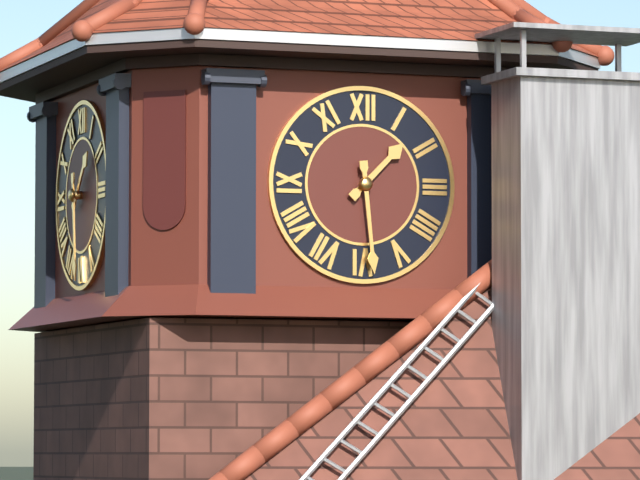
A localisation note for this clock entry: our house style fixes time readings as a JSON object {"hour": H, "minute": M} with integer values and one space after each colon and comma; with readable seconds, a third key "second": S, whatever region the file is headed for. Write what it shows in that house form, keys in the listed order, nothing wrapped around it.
{"hour": 1, "minute": 29}
